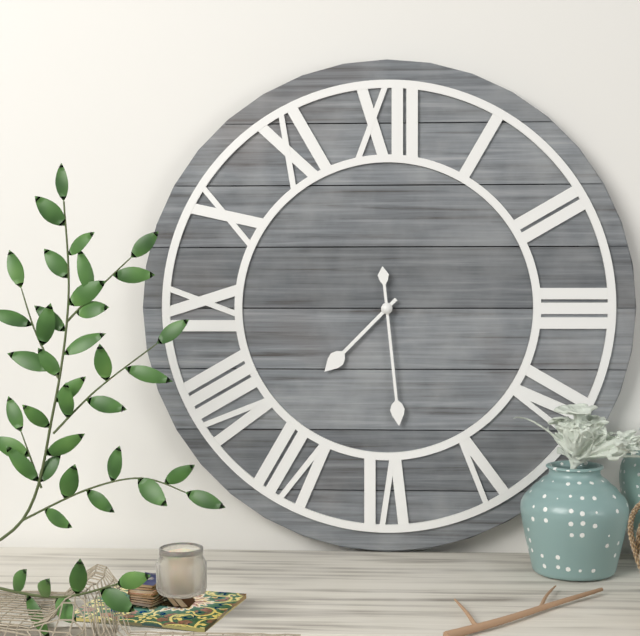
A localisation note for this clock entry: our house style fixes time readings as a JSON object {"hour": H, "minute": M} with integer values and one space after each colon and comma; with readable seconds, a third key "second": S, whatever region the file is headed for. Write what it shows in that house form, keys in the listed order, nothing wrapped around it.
{"hour": 7, "minute": 29}
